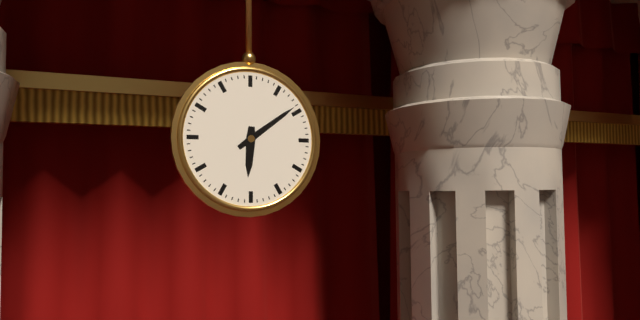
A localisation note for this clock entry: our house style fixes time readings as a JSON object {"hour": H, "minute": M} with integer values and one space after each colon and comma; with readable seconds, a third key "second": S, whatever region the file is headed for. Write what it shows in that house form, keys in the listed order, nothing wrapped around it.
{"hour": 6, "minute": 9}
